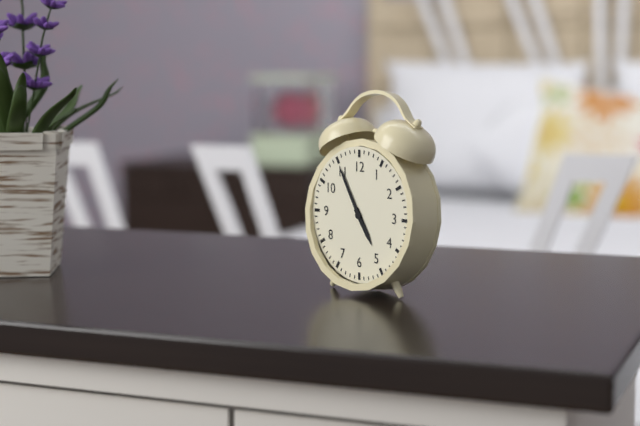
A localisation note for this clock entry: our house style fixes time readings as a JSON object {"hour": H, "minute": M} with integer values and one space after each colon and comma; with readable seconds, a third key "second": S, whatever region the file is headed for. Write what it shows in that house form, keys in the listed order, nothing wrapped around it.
{"hour": 4, "minute": 55}
